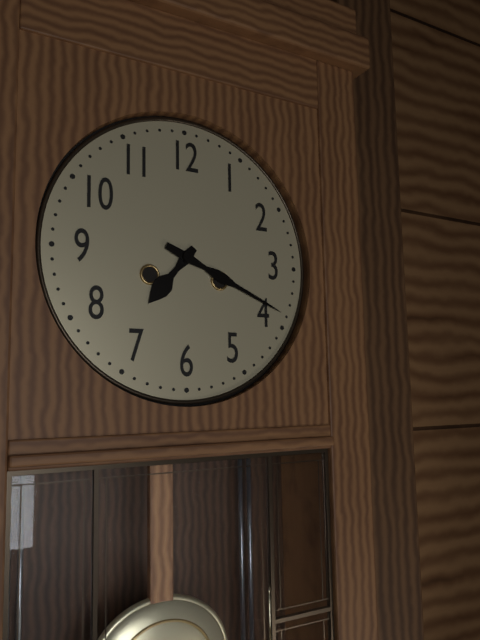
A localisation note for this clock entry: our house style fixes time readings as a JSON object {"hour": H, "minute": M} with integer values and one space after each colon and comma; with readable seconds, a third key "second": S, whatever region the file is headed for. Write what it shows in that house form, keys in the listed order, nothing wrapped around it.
{"hour": 7, "minute": 19}
